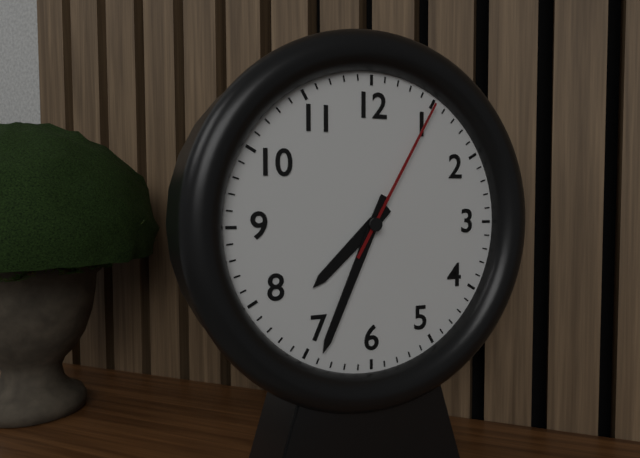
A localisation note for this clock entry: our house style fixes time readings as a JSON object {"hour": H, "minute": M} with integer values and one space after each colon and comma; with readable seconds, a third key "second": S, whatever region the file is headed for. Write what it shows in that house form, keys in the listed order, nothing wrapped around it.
{"hour": 7, "minute": 34, "second": 5}
